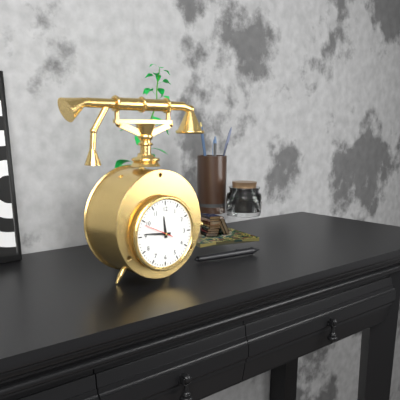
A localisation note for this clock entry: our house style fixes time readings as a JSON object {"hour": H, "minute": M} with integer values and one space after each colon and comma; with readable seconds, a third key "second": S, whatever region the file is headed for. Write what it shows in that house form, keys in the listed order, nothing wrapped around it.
{"hour": 11, "minute": 46}
